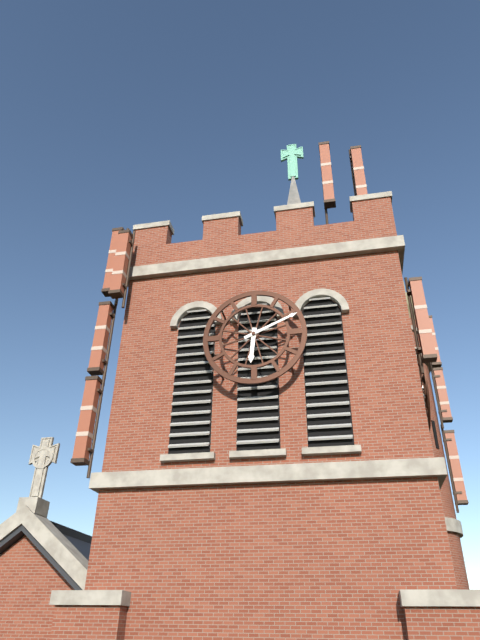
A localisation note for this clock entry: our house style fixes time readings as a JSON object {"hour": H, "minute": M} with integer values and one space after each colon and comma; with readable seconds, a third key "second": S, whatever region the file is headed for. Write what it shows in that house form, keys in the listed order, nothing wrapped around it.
{"hour": 6, "minute": 11}
